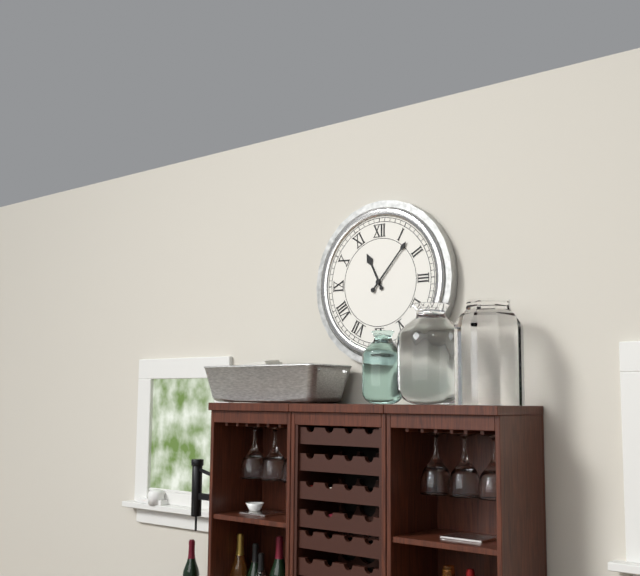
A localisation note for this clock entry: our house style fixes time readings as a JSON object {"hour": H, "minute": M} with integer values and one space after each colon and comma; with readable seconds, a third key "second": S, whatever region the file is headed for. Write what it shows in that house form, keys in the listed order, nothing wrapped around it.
{"hour": 11, "minute": 7}
